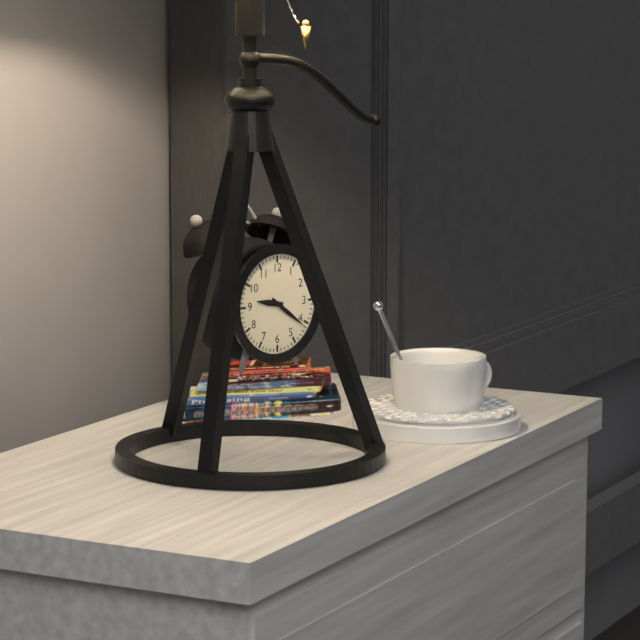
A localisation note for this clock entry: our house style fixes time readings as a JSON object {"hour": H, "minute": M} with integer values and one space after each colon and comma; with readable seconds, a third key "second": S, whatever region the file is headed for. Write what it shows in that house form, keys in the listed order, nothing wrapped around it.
{"hour": 9, "minute": 21}
